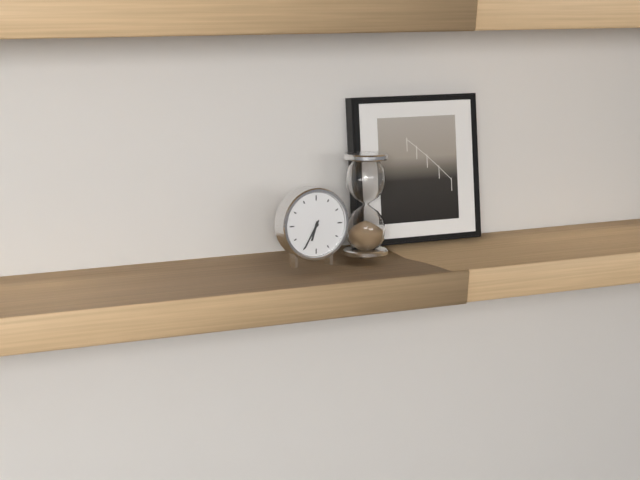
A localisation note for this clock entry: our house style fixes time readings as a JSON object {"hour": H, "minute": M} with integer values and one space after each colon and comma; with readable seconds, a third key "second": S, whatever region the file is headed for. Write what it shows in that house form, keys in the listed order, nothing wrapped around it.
{"hour": 6, "minute": 35}
